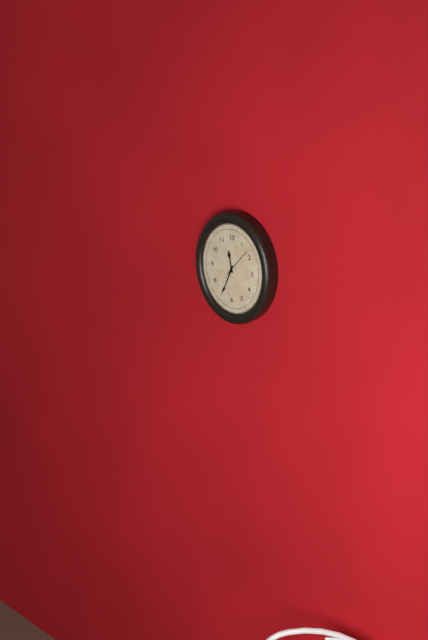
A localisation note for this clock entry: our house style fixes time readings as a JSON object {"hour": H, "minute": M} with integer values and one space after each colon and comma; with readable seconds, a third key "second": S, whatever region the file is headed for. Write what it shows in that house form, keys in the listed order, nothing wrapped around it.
{"hour": 11, "minute": 34}
